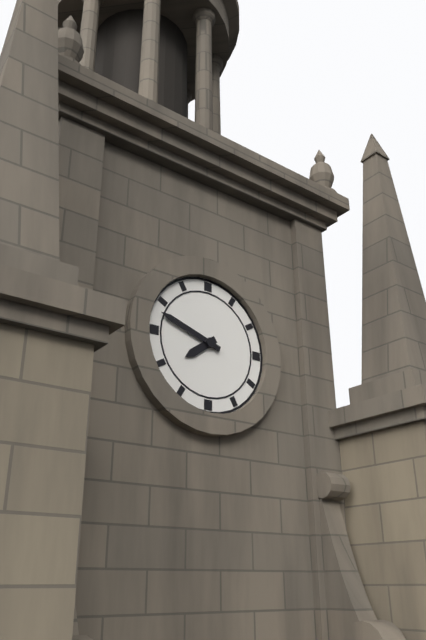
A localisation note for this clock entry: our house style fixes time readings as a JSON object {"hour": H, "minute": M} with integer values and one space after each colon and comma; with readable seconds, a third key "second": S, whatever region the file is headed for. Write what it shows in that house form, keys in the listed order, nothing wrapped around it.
{"hour": 7, "minute": 48}
